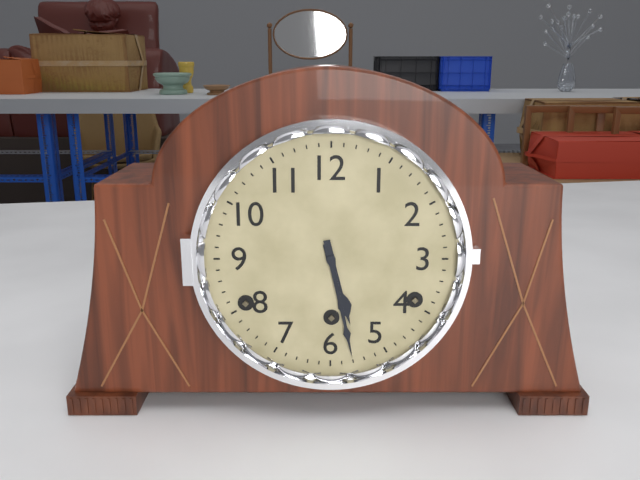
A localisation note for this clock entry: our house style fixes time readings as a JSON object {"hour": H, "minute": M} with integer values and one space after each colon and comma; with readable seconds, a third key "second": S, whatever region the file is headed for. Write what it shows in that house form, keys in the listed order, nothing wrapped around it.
{"hour": 5, "minute": 28}
